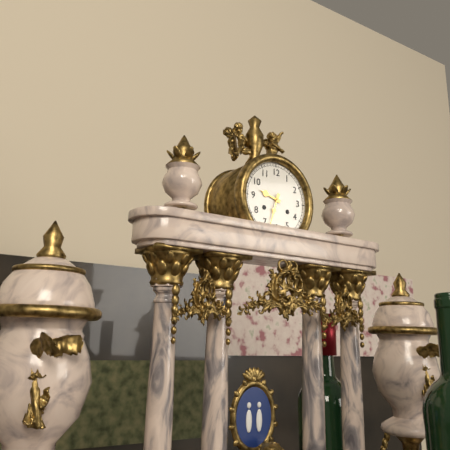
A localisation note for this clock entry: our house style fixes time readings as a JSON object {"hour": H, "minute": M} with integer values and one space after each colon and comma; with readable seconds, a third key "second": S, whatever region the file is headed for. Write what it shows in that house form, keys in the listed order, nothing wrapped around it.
{"hour": 9, "minute": 33}
